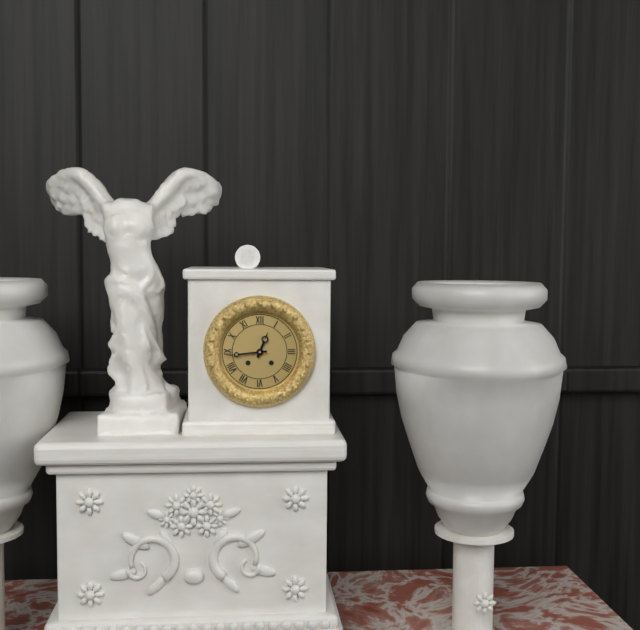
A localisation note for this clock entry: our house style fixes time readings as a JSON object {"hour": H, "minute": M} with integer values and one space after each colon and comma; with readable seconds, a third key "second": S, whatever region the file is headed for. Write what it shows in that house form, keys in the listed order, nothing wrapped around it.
{"hour": 12, "minute": 44}
